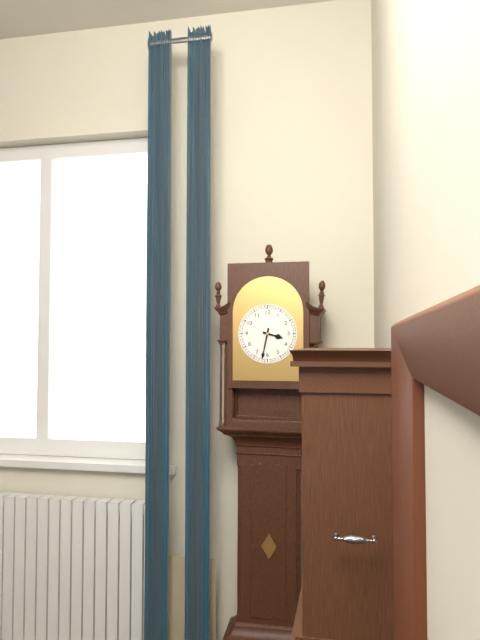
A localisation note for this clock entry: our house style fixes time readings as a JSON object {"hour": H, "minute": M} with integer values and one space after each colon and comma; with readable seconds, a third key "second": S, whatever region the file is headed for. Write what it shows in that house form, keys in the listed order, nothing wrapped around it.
{"hour": 3, "minute": 32}
